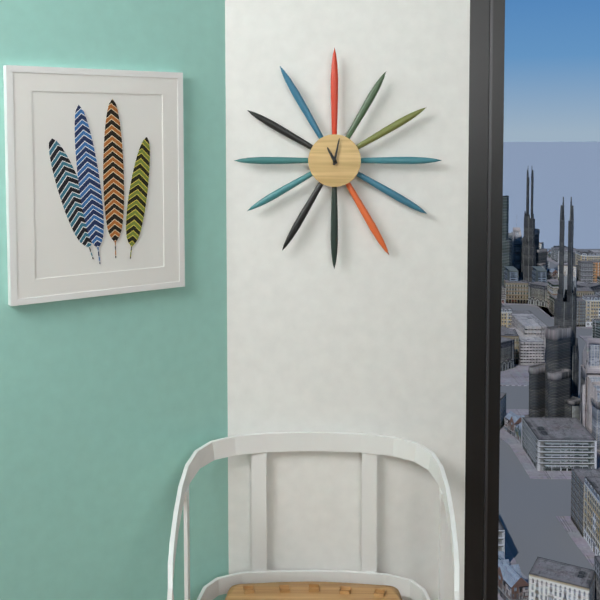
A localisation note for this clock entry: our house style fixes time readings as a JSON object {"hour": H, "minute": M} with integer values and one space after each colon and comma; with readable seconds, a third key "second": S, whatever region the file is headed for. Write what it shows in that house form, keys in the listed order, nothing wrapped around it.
{"hour": 11, "minute": 2}
